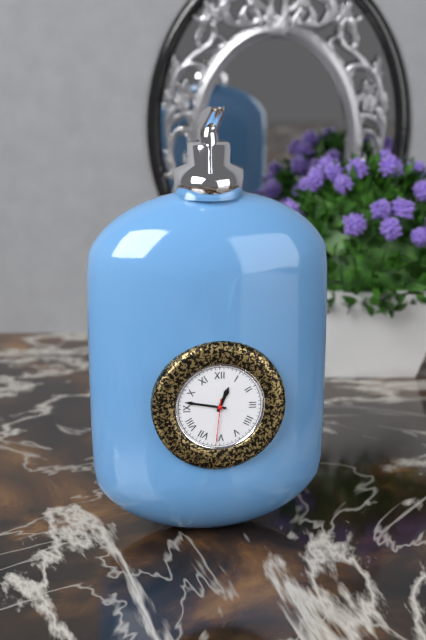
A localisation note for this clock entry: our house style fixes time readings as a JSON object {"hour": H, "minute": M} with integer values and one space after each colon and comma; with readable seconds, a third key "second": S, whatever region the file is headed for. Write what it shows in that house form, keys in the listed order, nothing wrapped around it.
{"hour": 12, "minute": 47}
